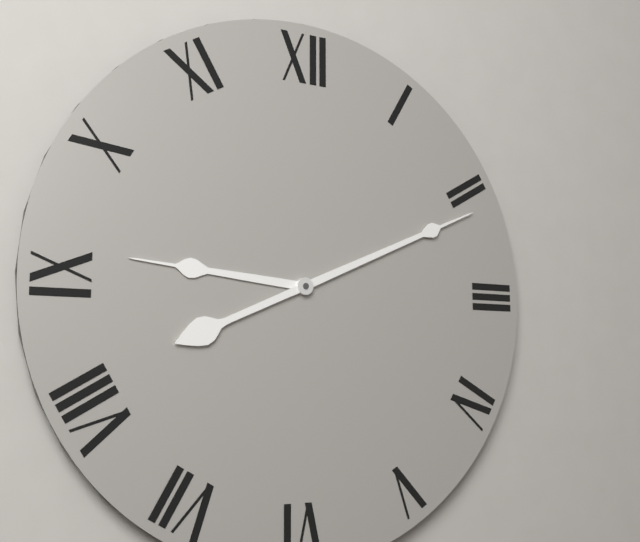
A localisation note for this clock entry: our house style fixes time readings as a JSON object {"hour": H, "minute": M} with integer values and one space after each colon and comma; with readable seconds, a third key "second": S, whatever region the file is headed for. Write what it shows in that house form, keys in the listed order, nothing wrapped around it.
{"hour": 9, "minute": 11}
